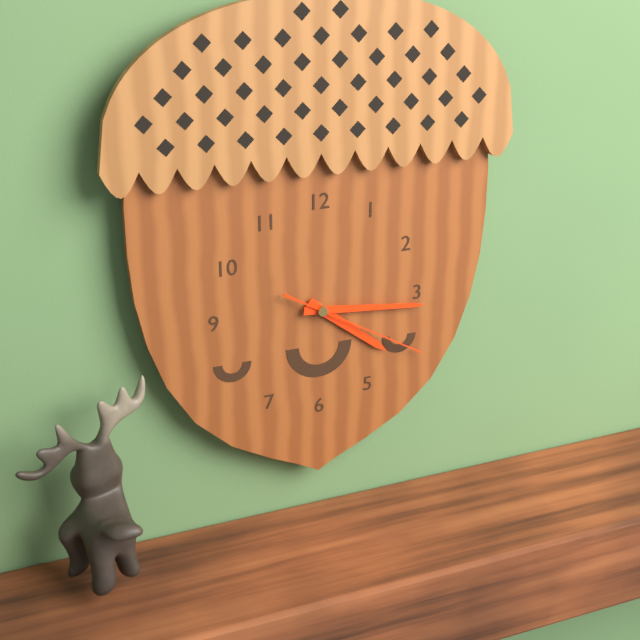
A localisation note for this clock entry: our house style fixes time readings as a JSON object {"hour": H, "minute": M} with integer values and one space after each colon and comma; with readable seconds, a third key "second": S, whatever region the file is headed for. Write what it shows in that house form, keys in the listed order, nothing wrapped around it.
{"hour": 4, "minute": 16, "second": 20}
